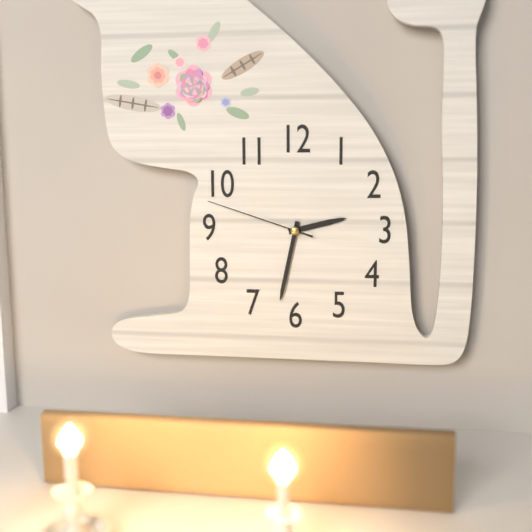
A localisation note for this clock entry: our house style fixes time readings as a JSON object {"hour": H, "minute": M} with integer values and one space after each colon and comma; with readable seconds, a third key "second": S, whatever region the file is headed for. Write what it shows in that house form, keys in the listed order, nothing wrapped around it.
{"hour": 2, "minute": 32, "second": 48}
